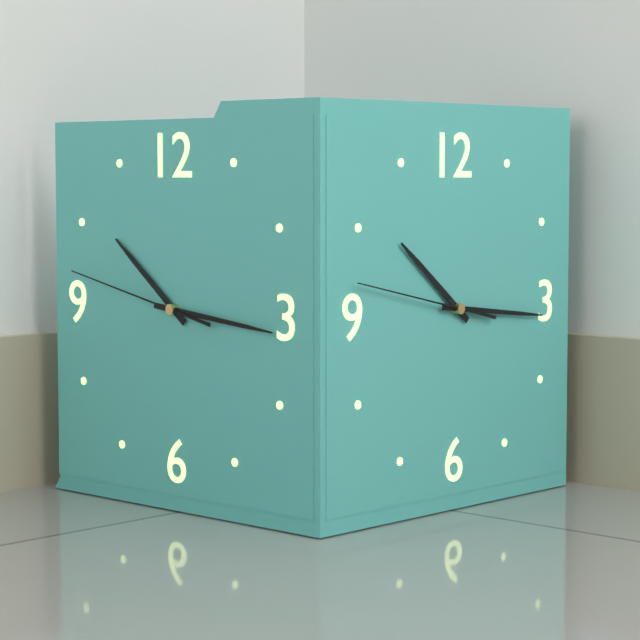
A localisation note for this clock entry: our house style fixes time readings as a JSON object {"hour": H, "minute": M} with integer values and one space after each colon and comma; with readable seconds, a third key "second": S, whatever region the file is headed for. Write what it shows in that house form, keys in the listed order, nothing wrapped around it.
{"hour": 10, "minute": 16, "second": 47}
